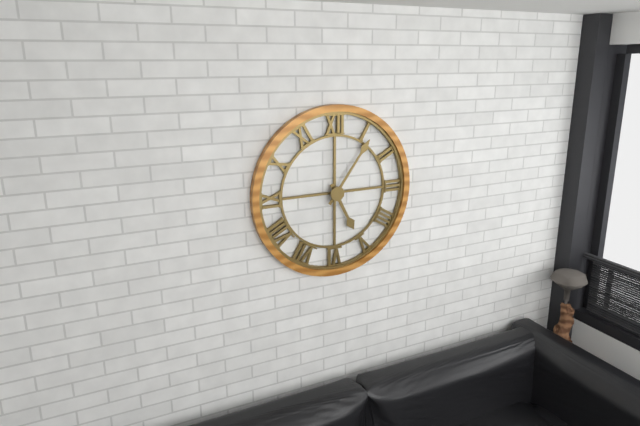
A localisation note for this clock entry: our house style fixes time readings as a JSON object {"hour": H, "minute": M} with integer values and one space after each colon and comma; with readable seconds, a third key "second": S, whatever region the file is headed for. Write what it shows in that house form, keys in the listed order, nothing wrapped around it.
{"hour": 5, "minute": 6}
